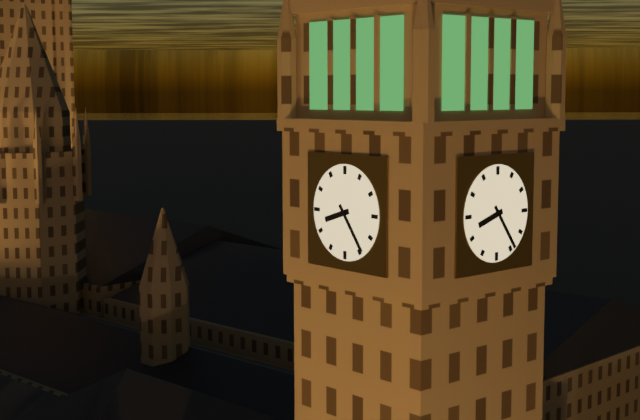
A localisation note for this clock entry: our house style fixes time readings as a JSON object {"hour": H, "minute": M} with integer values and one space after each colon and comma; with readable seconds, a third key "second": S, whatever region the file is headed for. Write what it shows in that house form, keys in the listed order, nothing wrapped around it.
{"hour": 8, "minute": 24}
